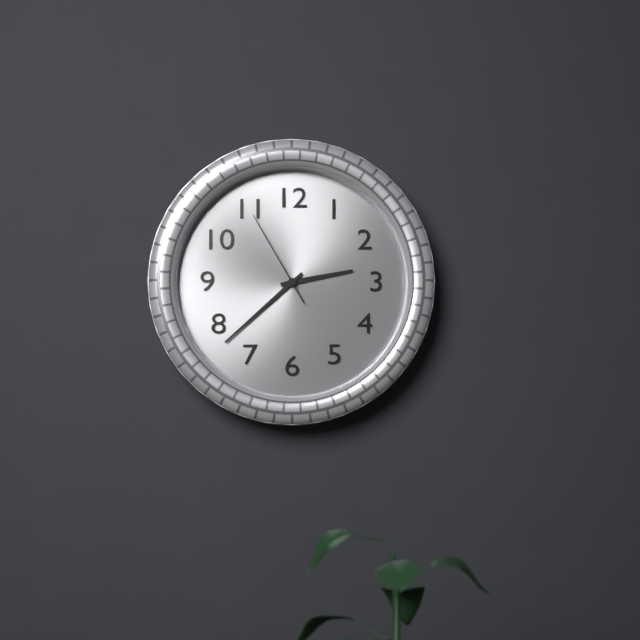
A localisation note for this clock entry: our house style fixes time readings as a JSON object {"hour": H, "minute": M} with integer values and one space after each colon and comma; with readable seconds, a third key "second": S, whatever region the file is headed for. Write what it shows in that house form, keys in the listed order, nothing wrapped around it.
{"hour": 2, "minute": 38, "second": 55}
